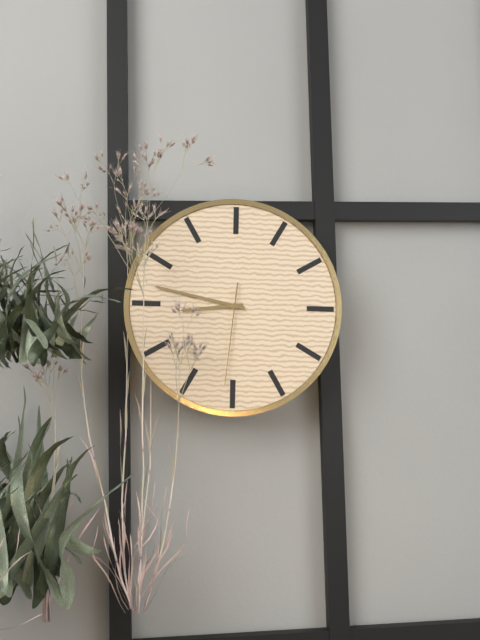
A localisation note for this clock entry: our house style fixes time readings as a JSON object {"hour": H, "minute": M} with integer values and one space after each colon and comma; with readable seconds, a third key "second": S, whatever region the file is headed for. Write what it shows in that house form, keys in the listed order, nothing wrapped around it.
{"hour": 8, "minute": 47, "second": 31}
